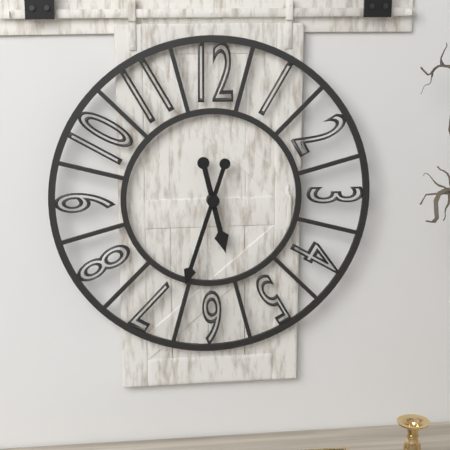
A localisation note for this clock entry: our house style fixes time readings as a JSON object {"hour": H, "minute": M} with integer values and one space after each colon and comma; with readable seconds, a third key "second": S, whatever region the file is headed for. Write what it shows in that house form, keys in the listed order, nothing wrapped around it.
{"hour": 5, "minute": 33}
